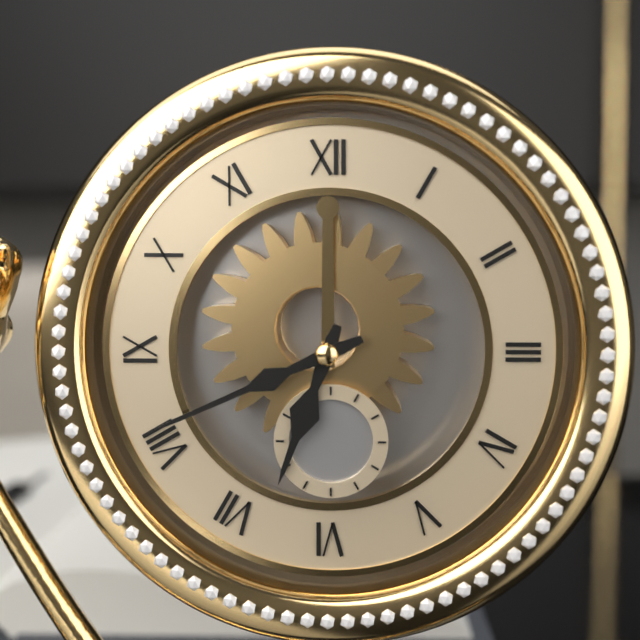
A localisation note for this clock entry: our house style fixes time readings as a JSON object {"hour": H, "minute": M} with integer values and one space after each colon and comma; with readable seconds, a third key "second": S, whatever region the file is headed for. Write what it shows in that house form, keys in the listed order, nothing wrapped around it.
{"hour": 6, "minute": 41}
